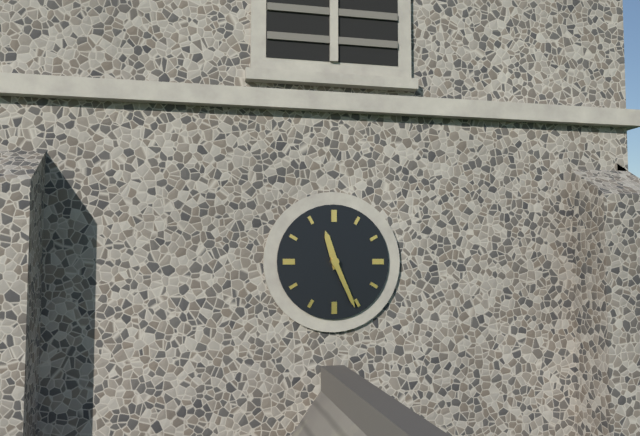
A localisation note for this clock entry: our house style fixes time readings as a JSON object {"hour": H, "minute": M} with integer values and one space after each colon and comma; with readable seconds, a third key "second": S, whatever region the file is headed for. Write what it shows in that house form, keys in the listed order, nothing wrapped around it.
{"hour": 11, "minute": 26}
